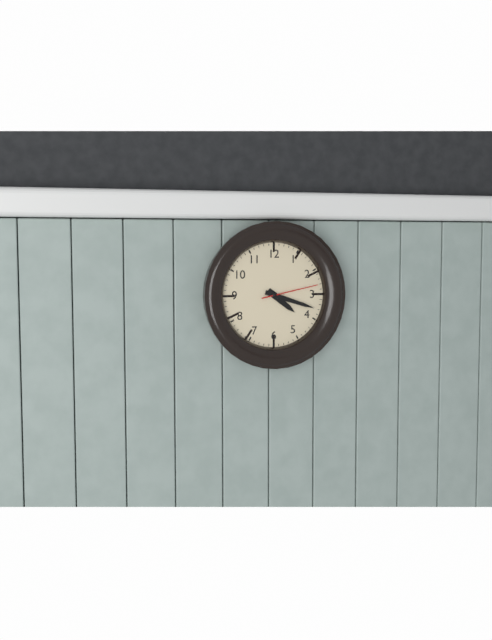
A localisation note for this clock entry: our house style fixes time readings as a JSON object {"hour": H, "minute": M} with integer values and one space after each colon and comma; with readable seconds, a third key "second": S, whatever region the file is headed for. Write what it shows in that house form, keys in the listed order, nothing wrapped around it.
{"hour": 4, "minute": 18, "second": 13}
